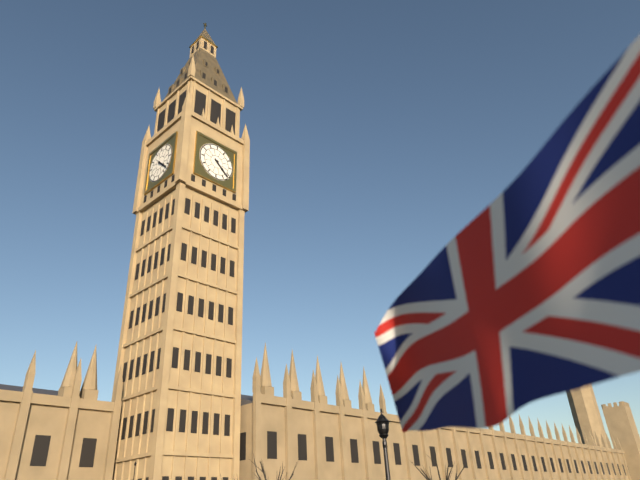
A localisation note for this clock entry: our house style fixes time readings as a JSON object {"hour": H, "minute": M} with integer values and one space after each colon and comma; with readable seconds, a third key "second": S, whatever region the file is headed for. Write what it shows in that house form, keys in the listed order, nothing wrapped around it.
{"hour": 4, "minute": 22}
